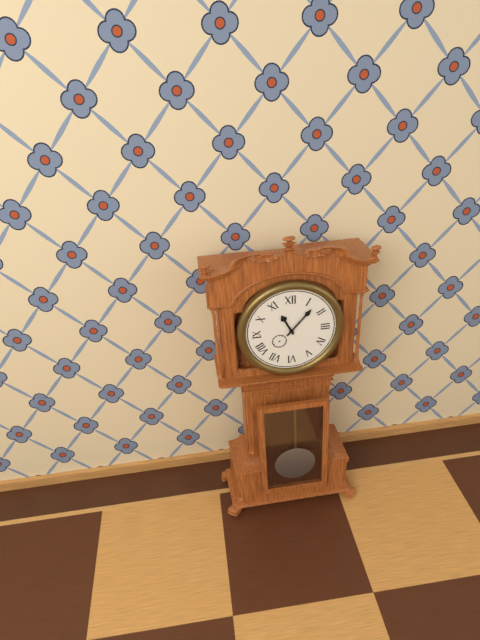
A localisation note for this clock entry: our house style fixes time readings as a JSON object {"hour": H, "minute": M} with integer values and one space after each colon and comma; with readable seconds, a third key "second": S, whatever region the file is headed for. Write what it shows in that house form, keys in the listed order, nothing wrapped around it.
{"hour": 11, "minute": 7}
